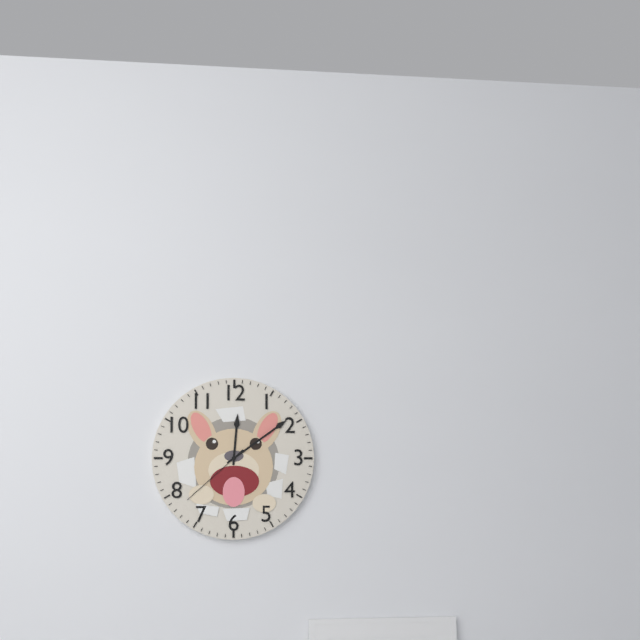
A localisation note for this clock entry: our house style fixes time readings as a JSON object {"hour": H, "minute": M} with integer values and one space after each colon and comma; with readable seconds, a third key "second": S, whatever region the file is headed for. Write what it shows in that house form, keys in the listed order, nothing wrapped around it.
{"hour": 12, "minute": 9, "second": 38}
